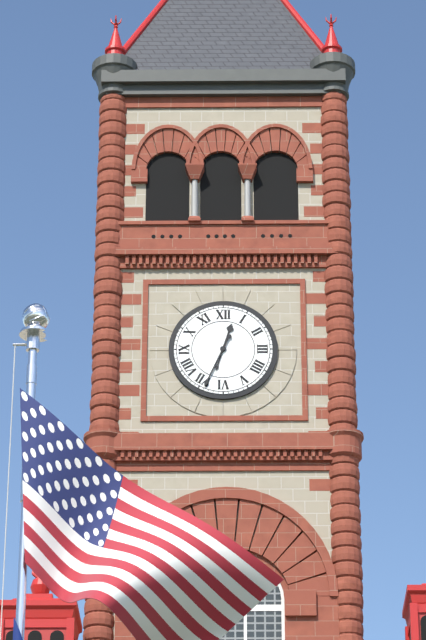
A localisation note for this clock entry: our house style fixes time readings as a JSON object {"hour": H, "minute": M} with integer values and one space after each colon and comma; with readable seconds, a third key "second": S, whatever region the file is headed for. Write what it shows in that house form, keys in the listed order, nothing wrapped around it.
{"hour": 12, "minute": 34}
